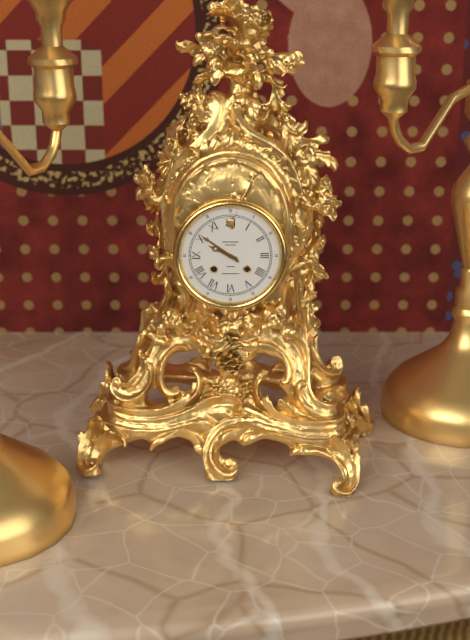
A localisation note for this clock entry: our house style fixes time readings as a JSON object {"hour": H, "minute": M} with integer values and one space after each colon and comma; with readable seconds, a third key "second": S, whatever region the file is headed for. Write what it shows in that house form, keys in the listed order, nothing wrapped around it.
{"hour": 9, "minute": 51}
